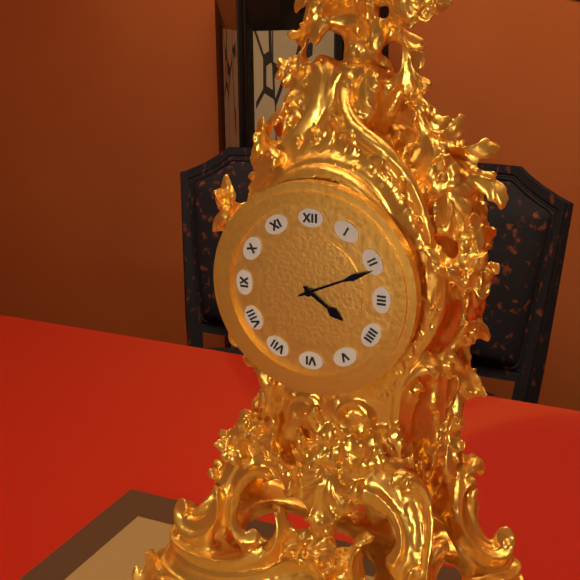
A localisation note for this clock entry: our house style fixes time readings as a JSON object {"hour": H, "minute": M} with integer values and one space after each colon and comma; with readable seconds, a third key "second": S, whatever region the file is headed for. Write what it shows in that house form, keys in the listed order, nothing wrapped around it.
{"hour": 4, "minute": 11}
